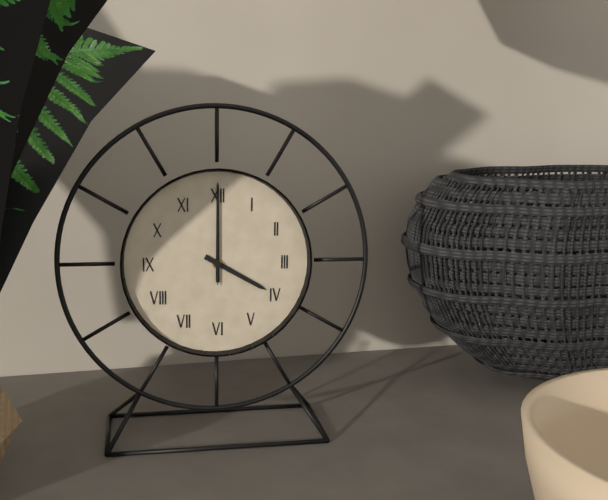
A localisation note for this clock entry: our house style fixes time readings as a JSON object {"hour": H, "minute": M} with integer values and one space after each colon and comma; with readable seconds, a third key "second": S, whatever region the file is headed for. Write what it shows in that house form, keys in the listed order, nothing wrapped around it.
{"hour": 4, "minute": 0, "second": 0}
